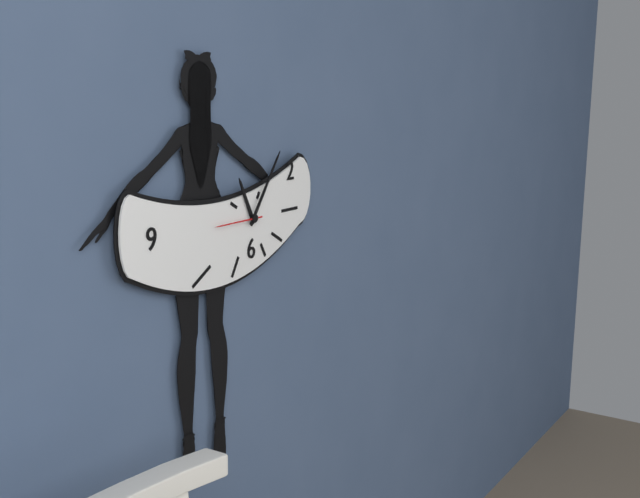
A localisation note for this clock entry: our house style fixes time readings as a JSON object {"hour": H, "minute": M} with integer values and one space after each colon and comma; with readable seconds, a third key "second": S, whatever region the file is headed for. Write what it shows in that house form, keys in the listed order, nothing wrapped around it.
{"hour": 11, "minute": 6, "second": 45}
